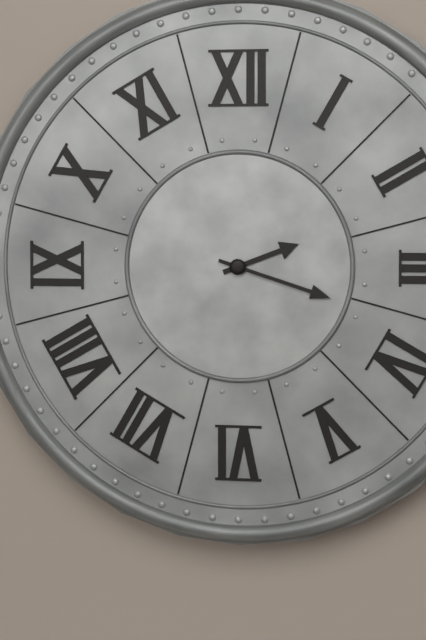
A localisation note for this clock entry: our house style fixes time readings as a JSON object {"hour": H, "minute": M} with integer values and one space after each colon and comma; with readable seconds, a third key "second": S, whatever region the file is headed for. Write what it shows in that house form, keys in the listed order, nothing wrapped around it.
{"hour": 2, "minute": 18}
